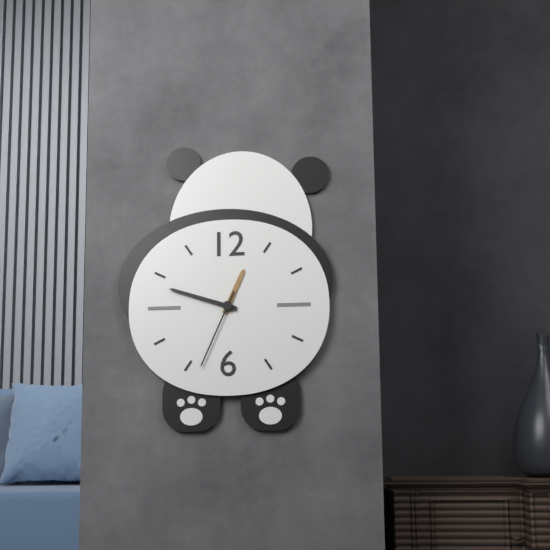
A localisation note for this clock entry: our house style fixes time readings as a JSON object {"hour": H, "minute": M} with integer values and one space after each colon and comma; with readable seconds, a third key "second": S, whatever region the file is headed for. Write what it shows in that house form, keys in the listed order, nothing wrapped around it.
{"hour": 12, "minute": 48, "second": 34}
